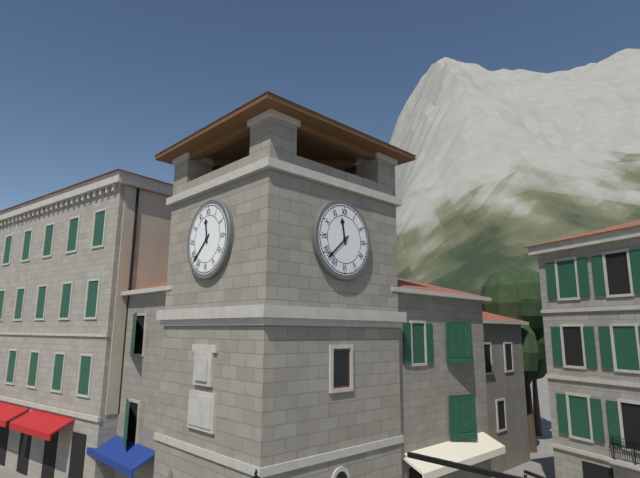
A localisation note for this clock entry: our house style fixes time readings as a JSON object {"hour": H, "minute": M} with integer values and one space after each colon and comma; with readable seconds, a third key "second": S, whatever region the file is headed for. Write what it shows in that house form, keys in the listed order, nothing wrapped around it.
{"hour": 11, "minute": 38}
